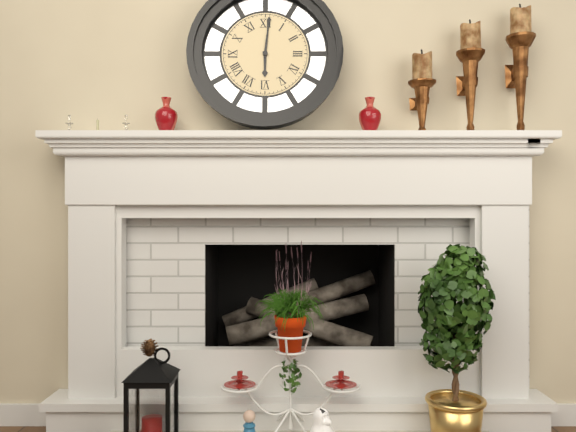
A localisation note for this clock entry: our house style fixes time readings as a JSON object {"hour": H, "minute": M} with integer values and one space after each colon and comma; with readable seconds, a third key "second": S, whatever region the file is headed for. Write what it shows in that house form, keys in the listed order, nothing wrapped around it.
{"hour": 6, "minute": 1}
